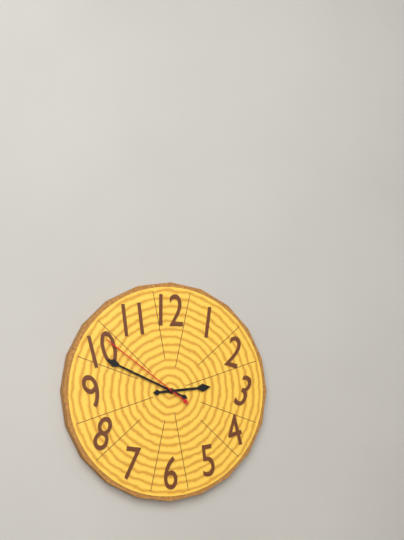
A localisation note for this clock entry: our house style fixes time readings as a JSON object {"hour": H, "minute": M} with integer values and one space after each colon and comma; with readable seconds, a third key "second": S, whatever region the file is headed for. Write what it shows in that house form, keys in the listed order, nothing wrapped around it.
{"hour": 2, "minute": 49, "second": 51}
